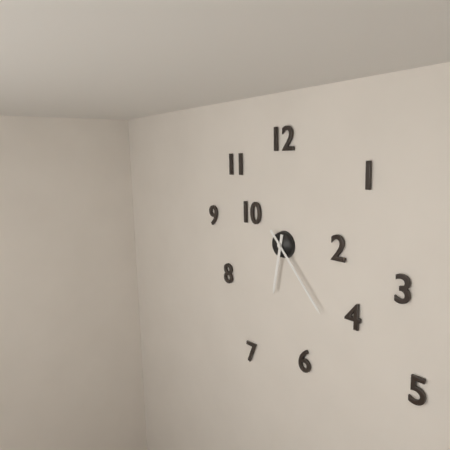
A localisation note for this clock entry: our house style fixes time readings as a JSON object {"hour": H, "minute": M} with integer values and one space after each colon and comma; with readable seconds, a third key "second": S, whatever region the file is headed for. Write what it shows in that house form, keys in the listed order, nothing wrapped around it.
{"hour": 6, "minute": 23}
